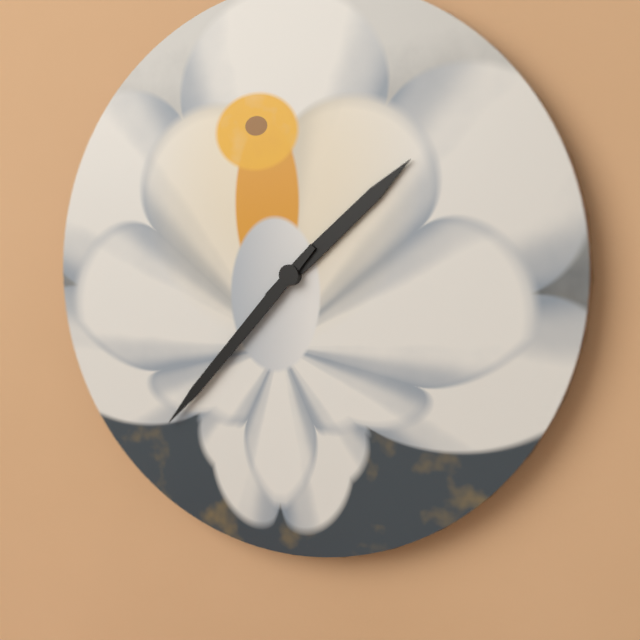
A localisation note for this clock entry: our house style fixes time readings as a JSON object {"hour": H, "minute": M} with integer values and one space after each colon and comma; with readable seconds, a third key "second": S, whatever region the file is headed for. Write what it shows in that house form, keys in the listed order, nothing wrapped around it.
{"hour": 1, "minute": 37}
